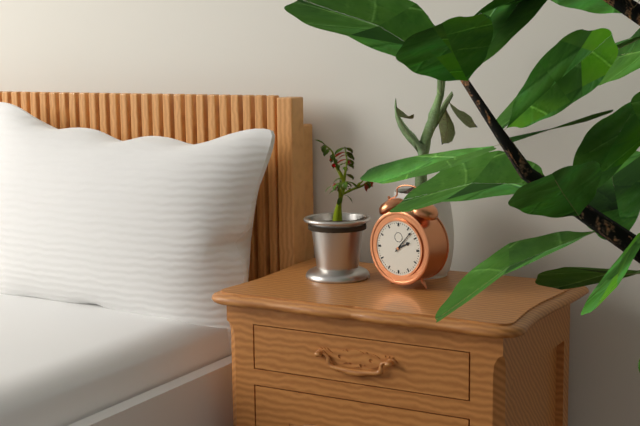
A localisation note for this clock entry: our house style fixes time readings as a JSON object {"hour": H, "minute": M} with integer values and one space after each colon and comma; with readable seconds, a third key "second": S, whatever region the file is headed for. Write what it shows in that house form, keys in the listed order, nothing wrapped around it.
{"hour": 2, "minute": 7}
